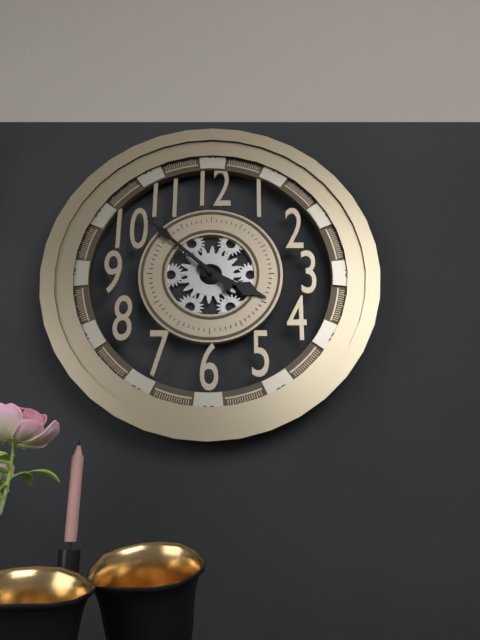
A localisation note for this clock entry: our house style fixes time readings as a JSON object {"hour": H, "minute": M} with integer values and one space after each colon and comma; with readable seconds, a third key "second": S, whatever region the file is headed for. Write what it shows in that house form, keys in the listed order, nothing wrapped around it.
{"hour": 3, "minute": 52}
